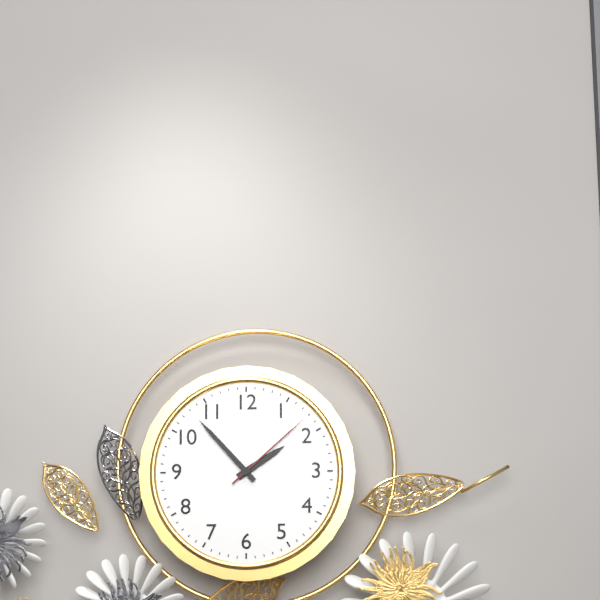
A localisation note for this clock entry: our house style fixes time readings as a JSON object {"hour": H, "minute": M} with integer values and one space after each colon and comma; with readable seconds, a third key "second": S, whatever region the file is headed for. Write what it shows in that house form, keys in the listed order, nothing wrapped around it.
{"hour": 1, "minute": 53, "second": 8}
